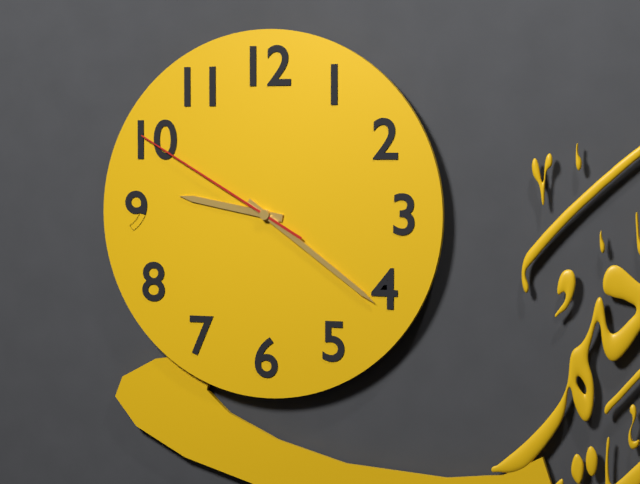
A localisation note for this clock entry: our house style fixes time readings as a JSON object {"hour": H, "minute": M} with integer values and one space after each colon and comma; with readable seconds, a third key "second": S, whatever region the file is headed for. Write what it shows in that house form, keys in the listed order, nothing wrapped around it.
{"hour": 9, "minute": 21, "second": 50}
